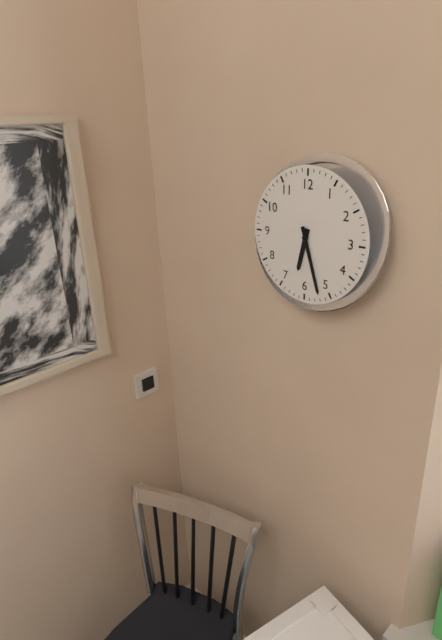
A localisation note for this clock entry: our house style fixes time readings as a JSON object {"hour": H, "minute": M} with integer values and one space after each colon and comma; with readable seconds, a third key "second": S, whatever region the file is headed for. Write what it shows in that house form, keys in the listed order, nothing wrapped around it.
{"hour": 6, "minute": 27}
